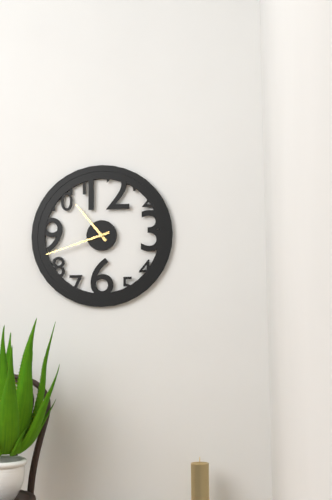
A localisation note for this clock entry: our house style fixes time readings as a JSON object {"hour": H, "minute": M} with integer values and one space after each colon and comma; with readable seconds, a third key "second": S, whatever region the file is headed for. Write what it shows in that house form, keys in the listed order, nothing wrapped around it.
{"hour": 10, "minute": 42}
